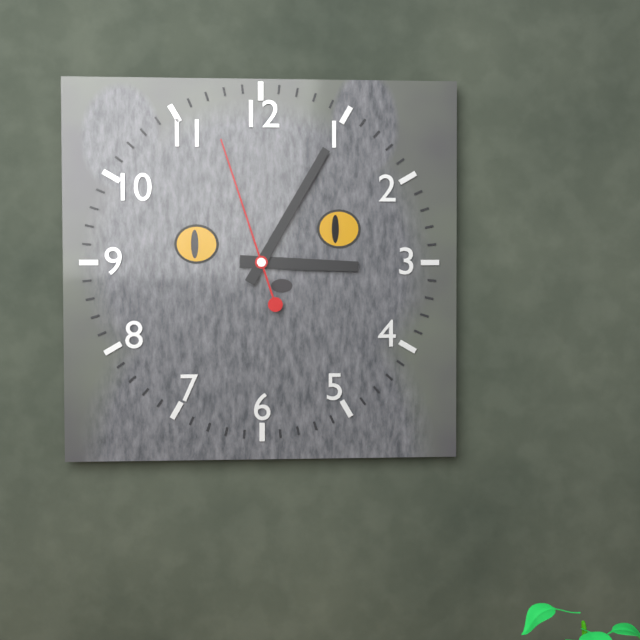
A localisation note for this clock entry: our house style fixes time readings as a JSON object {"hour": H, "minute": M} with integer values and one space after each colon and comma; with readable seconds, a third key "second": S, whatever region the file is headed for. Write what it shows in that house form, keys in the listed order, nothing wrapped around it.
{"hour": 3, "minute": 5, "second": 57}
